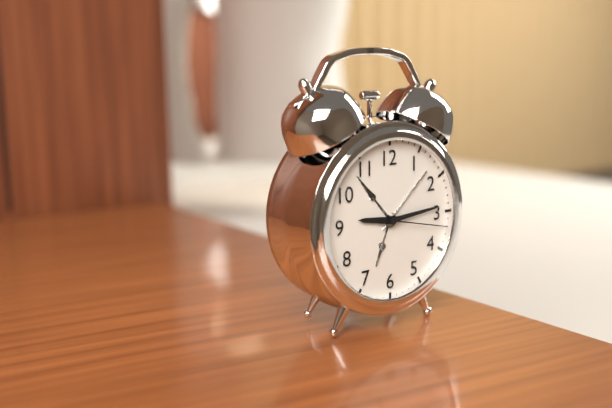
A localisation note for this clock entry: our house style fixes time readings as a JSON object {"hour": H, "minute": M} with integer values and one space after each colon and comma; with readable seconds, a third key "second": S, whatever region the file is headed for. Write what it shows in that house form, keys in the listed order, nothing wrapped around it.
{"hour": 9, "minute": 14, "second": 17}
